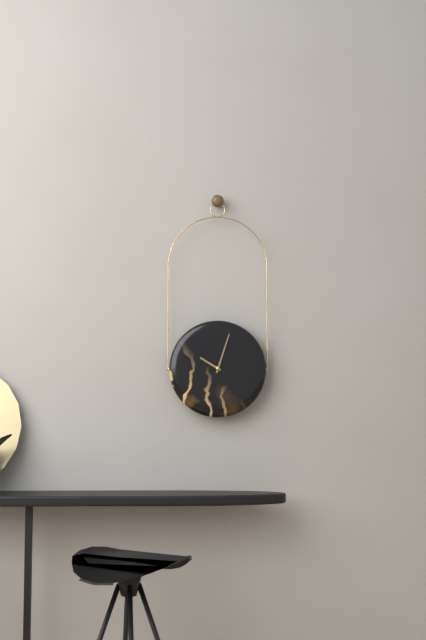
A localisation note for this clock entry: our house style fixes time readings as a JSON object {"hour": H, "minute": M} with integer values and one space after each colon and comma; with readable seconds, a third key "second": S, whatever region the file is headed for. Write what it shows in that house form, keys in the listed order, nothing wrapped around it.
{"hour": 10, "minute": 3}
